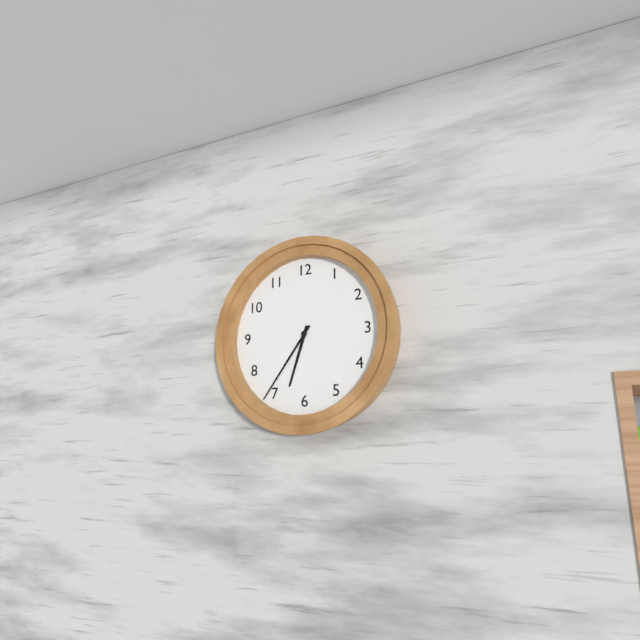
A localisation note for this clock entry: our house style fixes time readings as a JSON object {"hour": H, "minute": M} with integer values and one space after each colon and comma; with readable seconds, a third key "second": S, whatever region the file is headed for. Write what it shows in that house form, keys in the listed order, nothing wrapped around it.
{"hour": 6, "minute": 36}
